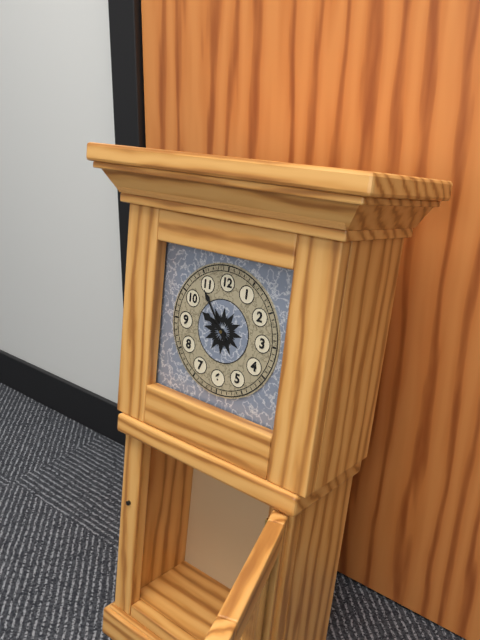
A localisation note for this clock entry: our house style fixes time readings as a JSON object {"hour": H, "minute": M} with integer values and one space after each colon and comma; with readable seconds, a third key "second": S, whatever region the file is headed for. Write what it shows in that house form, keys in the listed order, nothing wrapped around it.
{"hour": 9, "minute": 54}
